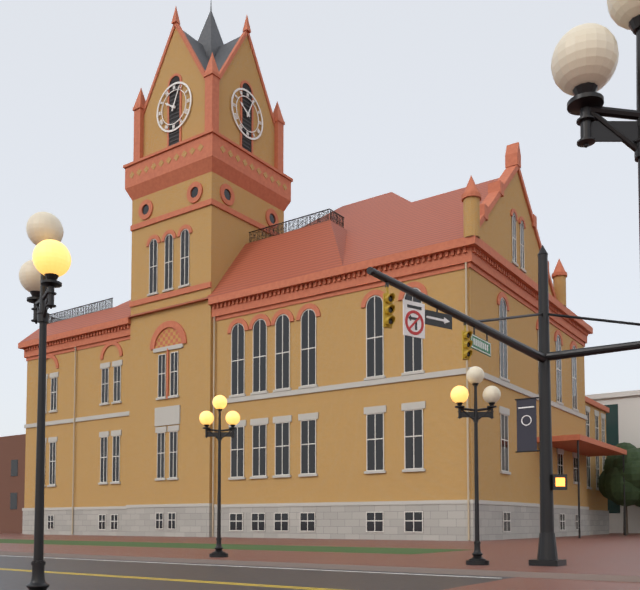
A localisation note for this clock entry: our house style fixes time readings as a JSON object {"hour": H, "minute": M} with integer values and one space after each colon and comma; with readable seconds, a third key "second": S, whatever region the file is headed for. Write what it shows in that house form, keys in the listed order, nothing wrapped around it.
{"hour": 10, "minute": 4}
